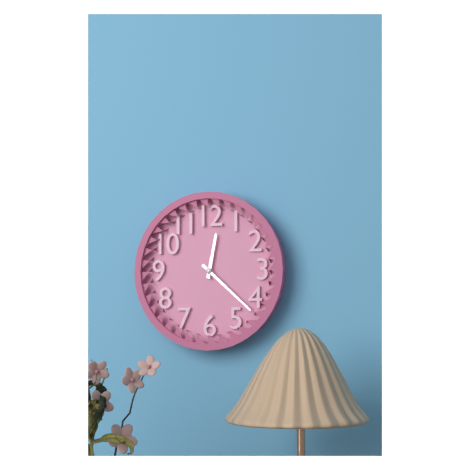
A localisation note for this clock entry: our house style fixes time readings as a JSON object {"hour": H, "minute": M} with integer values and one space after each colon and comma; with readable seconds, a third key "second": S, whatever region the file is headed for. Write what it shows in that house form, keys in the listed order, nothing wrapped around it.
{"hour": 12, "minute": 22}
